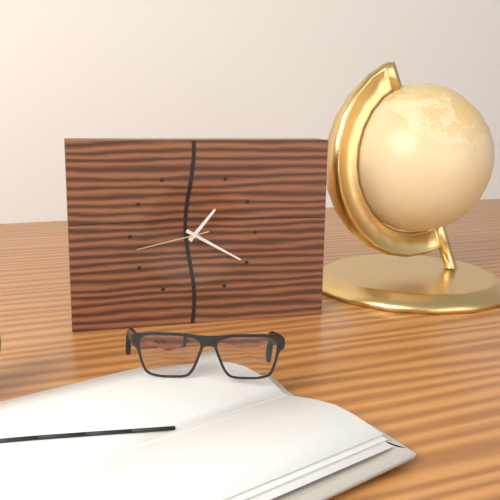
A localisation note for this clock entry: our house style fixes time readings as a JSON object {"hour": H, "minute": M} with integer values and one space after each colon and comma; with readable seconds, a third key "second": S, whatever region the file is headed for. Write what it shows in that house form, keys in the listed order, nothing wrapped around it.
{"hour": 1, "minute": 20, "second": 43}
